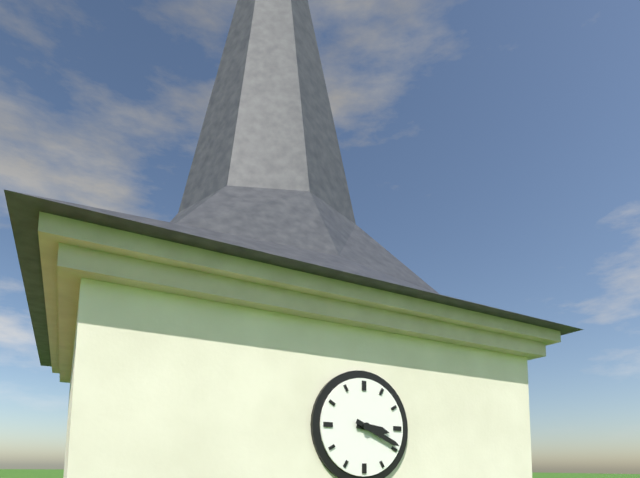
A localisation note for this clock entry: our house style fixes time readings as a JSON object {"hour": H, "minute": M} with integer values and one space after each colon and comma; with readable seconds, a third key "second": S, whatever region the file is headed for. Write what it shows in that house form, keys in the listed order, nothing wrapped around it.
{"hour": 3, "minute": 19}
